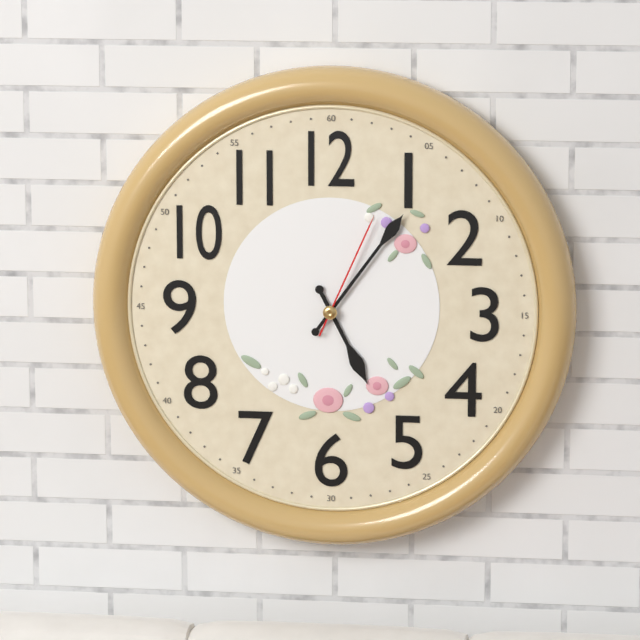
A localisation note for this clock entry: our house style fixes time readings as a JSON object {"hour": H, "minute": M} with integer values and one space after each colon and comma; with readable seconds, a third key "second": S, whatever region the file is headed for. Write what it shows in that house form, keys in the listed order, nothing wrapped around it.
{"hour": 5, "minute": 6, "second": 4}
